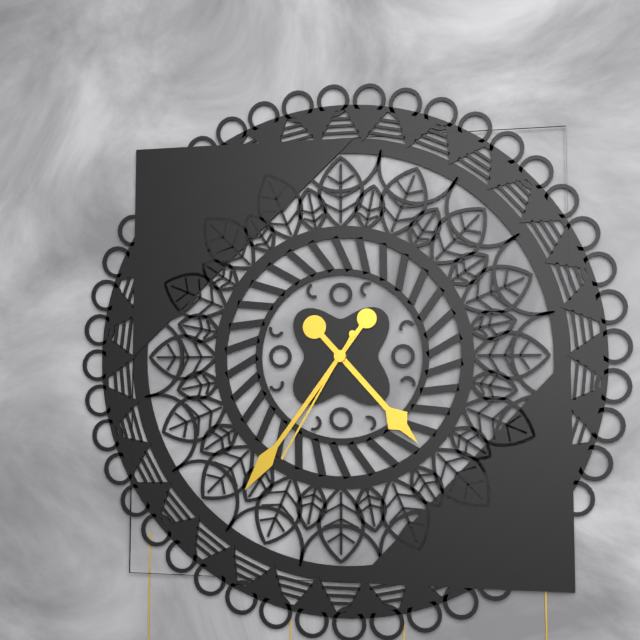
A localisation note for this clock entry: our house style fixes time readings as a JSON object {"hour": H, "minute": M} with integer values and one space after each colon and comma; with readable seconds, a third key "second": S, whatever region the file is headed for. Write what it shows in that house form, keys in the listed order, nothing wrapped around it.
{"hour": 4, "minute": 36, "second": 35}
